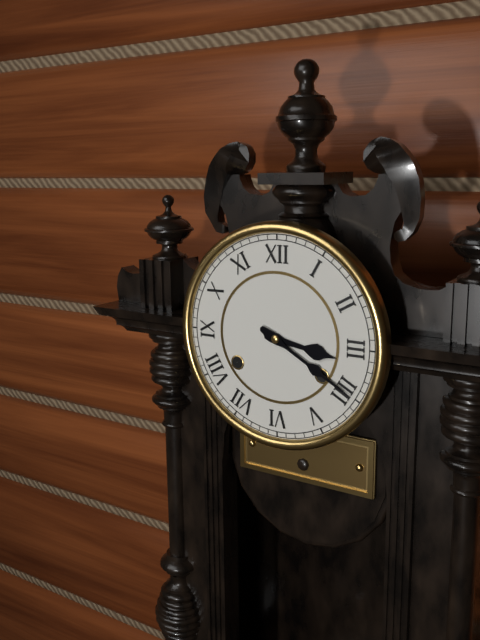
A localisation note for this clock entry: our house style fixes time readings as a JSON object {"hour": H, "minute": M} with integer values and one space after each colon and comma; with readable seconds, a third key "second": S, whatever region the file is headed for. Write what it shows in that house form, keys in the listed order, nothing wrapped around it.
{"hour": 3, "minute": 20}
